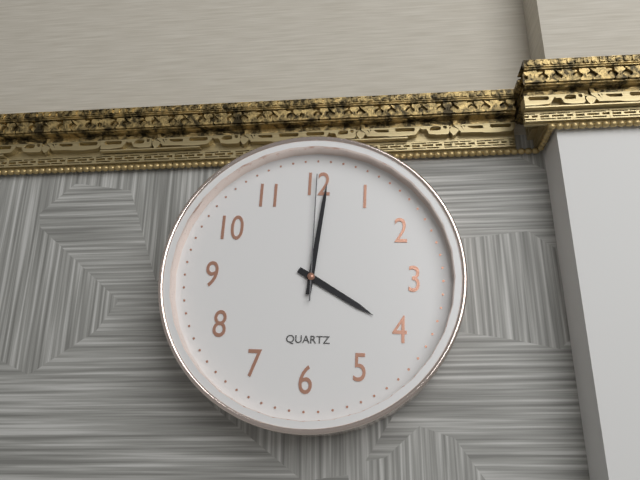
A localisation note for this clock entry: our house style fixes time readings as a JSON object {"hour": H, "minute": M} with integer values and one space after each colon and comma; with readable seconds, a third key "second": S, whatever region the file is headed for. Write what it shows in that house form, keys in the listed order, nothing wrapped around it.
{"hour": 4, "minute": 1, "second": 0}
